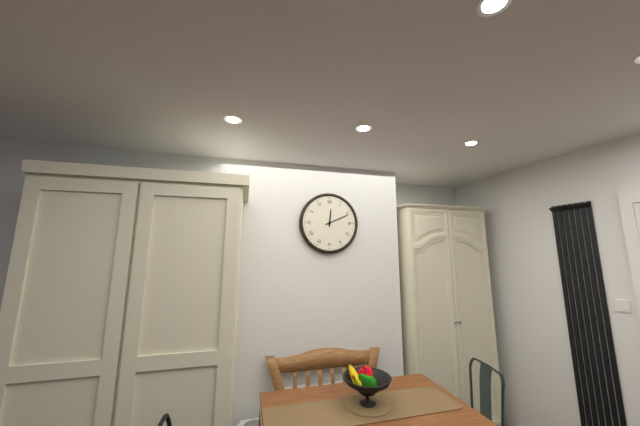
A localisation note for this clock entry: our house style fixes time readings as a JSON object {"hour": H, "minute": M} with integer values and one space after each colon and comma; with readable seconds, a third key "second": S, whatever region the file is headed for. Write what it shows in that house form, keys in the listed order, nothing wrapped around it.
{"hour": 12, "minute": 11}
